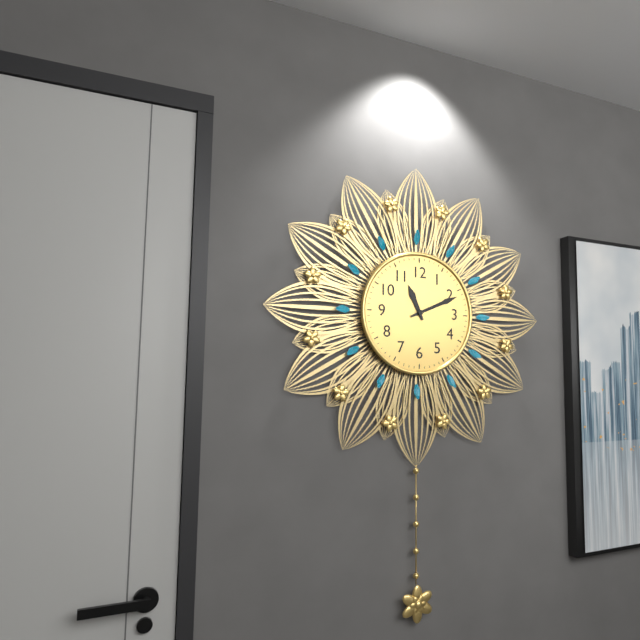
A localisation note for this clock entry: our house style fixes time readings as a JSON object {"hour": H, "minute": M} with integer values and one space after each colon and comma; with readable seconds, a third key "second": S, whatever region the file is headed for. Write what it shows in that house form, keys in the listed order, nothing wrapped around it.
{"hour": 11, "minute": 11}
